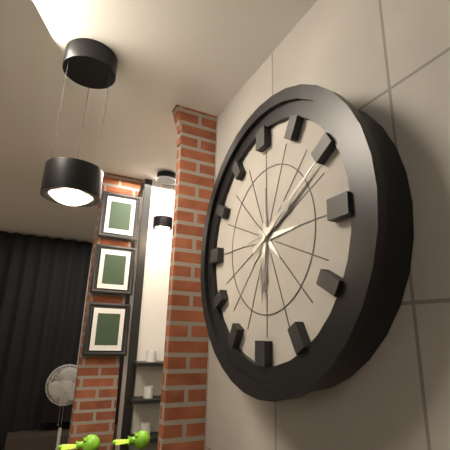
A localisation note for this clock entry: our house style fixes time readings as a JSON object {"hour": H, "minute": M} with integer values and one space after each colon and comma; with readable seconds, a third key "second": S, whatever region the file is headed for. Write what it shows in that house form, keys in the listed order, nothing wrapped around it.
{"hour": 6, "minute": 10}
